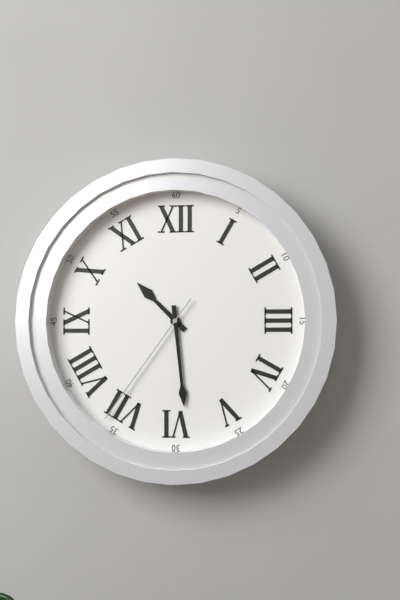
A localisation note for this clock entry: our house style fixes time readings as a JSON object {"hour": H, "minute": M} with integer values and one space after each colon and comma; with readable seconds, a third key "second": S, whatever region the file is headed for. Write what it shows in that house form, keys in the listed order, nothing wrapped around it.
{"hour": 10, "minute": 29, "second": 36}
